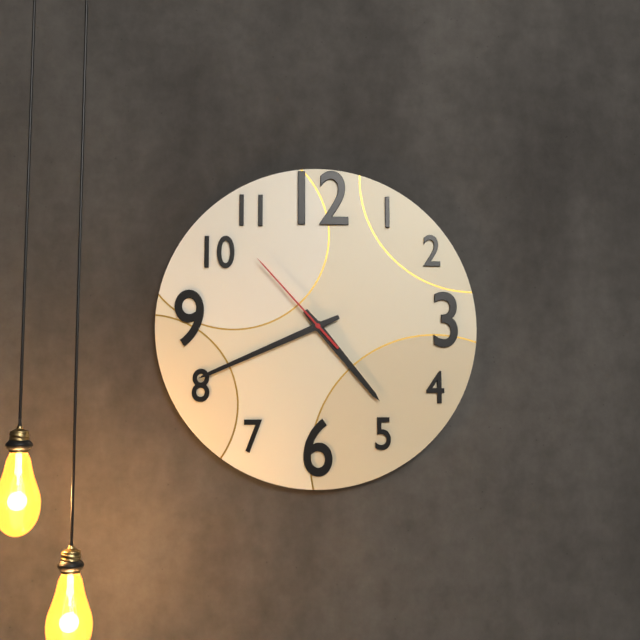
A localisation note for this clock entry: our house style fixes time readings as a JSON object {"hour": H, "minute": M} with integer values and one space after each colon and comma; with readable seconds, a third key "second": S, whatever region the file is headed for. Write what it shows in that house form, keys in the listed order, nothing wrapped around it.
{"hour": 4, "minute": 41, "second": 53}
